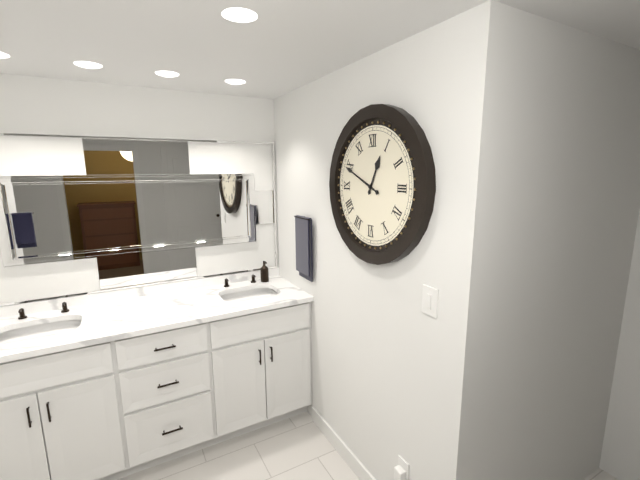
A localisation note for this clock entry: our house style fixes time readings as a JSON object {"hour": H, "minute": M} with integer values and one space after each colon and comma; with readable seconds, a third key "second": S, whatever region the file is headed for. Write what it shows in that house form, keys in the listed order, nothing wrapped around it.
{"hour": 12, "minute": 49}
